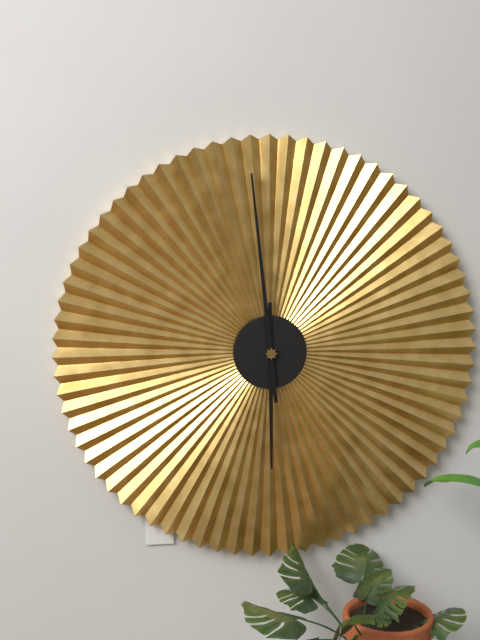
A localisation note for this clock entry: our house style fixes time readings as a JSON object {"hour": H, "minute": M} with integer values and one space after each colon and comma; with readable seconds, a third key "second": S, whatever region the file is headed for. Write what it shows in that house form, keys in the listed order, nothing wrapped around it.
{"hour": 5, "minute": 59}
